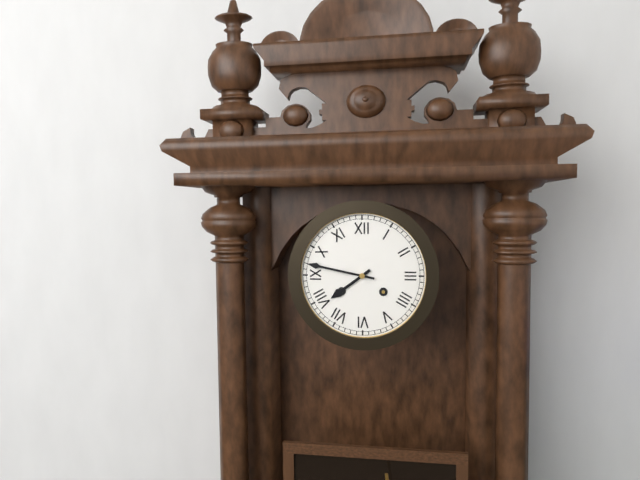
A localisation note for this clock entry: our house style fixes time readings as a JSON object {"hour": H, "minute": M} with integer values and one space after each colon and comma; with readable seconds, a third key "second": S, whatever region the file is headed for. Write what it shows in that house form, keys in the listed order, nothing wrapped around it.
{"hour": 7, "minute": 47}
